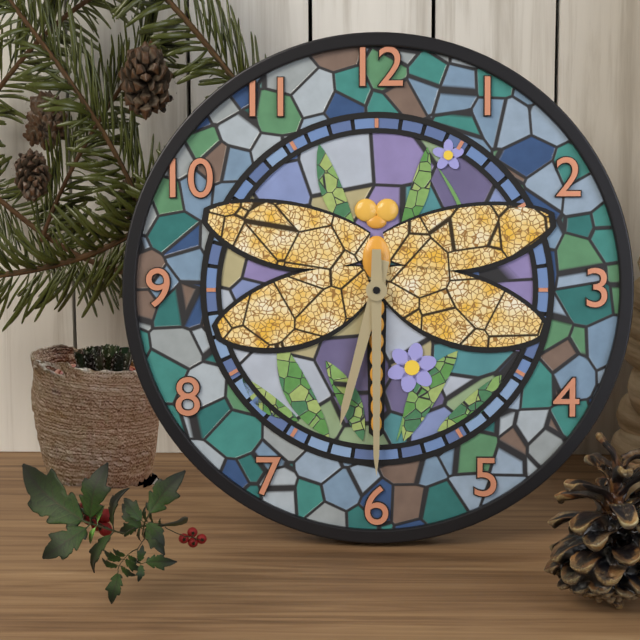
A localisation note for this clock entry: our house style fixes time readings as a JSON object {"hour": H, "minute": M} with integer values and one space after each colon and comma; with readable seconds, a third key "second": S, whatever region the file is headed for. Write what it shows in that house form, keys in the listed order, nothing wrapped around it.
{"hour": 6, "minute": 30}
